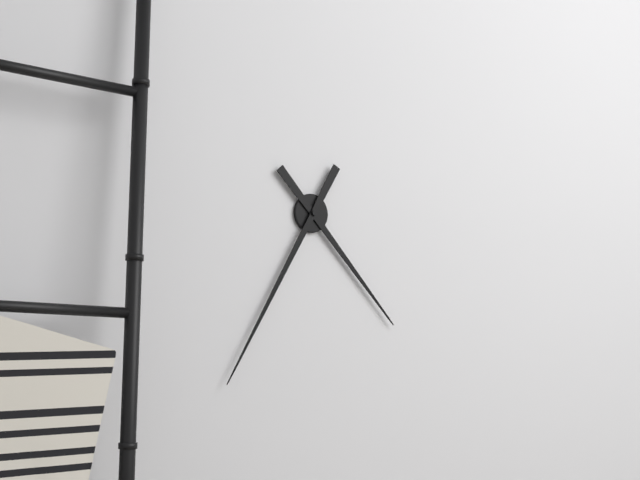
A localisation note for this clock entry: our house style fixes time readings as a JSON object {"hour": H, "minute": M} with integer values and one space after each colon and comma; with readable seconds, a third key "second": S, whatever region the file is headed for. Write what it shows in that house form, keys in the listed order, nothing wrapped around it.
{"hour": 4, "minute": 35}
